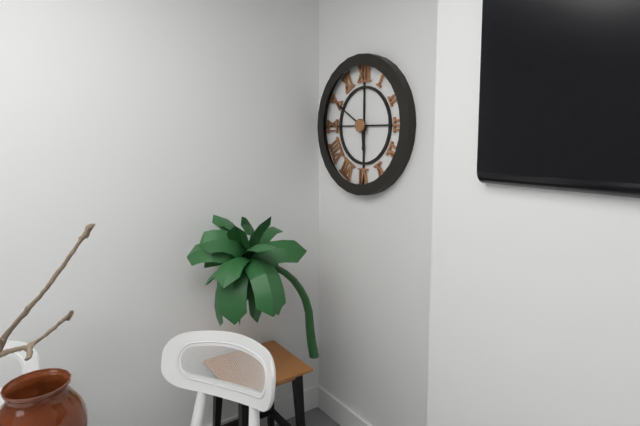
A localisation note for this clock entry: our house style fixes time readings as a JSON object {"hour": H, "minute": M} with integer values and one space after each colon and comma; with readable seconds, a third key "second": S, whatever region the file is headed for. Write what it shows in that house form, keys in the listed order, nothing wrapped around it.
{"hour": 5, "minute": 50}
